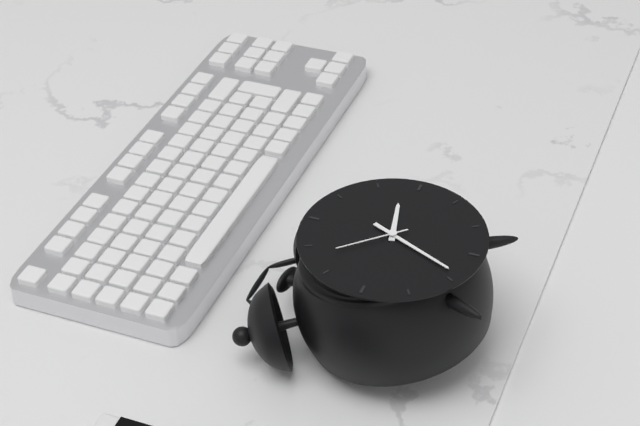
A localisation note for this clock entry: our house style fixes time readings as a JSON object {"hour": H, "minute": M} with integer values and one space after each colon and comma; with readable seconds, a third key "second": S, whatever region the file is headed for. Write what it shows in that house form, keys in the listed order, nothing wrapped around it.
{"hour": 2, "minute": 34, "second": 53}
